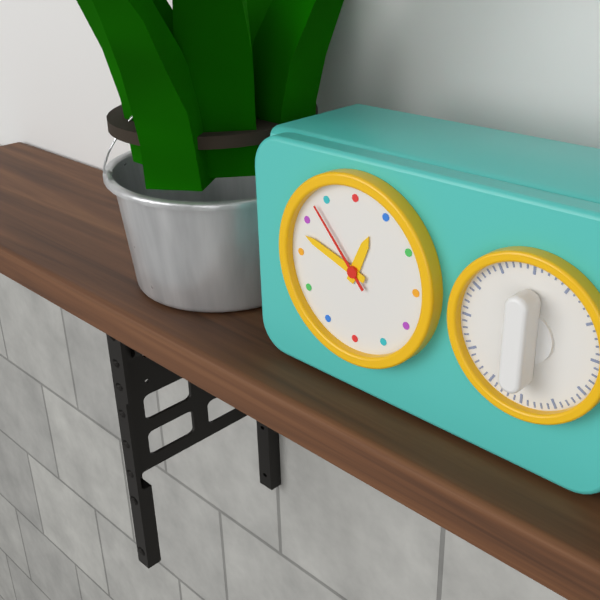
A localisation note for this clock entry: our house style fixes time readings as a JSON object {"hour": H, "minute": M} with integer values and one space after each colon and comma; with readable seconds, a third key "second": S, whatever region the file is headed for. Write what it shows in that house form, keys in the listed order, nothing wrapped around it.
{"hour": 12, "minute": 48, "second": 53}
